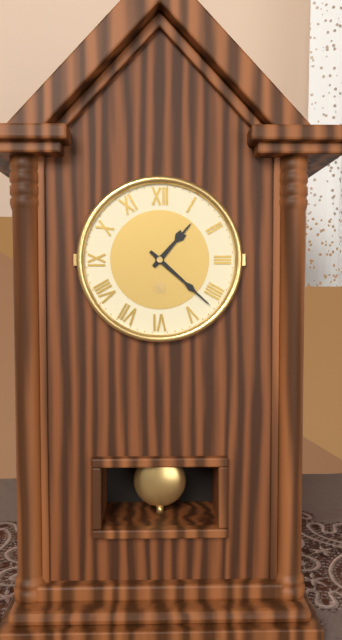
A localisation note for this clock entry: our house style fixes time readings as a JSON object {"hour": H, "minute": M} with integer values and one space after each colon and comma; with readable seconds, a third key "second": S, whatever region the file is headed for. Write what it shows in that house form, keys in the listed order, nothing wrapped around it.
{"hour": 1, "minute": 22}
